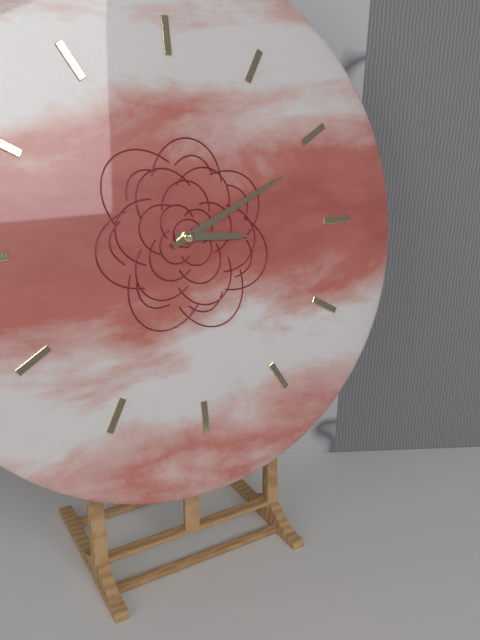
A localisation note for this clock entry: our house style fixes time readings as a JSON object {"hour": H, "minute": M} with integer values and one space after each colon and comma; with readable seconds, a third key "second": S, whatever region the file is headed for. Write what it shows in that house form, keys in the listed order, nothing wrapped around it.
{"hour": 3, "minute": 11}
